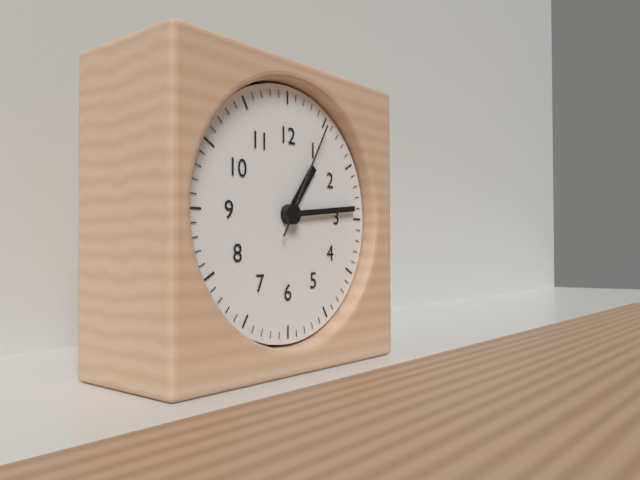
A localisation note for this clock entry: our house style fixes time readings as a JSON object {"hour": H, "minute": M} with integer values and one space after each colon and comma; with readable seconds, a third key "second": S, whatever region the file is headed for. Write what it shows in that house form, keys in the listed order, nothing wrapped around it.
{"hour": 1, "minute": 14, "second": 5}
